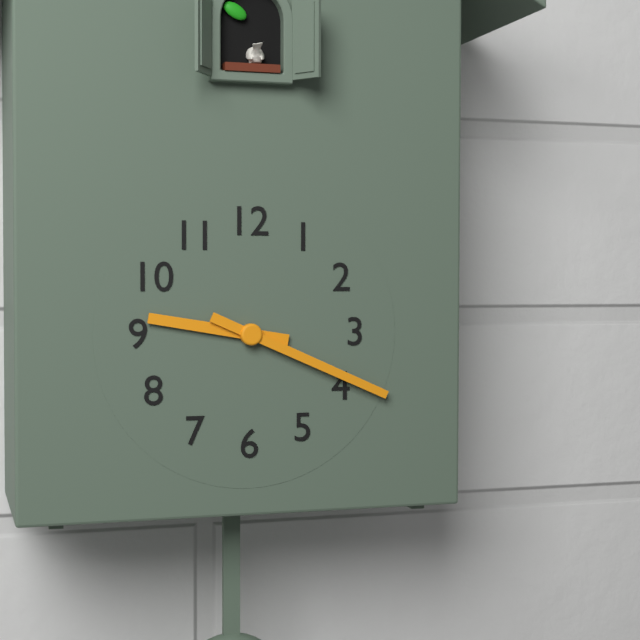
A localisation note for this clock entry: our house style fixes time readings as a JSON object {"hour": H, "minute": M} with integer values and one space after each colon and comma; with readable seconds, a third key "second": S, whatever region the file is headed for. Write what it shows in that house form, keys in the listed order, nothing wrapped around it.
{"hour": 9, "minute": 19}
